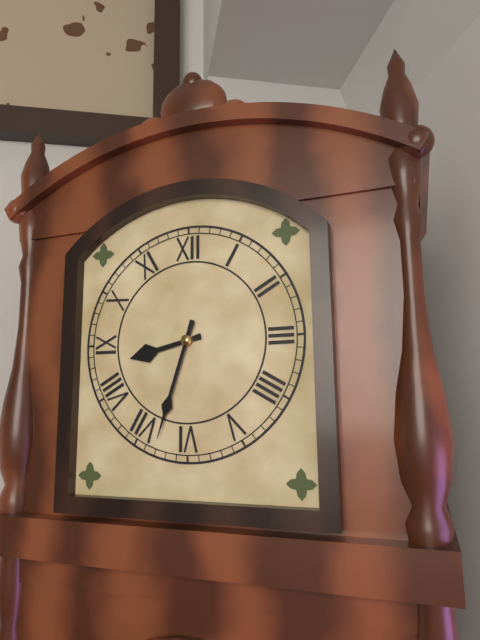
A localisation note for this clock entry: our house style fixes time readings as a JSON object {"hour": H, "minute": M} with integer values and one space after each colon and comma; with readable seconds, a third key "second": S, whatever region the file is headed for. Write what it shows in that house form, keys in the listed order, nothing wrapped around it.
{"hour": 8, "minute": 33}
